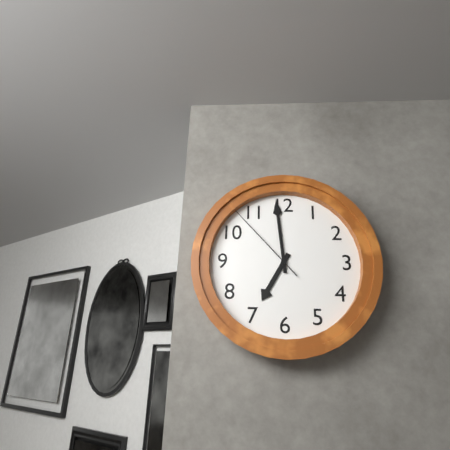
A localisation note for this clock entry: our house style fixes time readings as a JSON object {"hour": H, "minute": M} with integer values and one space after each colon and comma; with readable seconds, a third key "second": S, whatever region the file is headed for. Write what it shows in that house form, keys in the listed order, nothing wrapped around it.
{"hour": 6, "minute": 59, "second": 53}
